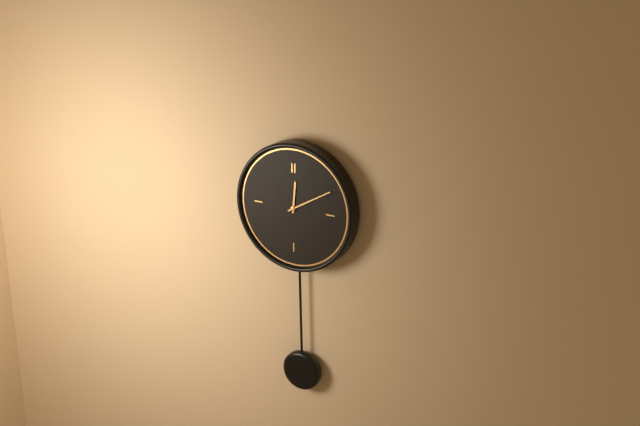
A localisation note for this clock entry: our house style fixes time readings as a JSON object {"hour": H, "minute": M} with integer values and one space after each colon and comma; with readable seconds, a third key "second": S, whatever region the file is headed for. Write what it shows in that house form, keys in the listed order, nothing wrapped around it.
{"hour": 12, "minute": 10}
